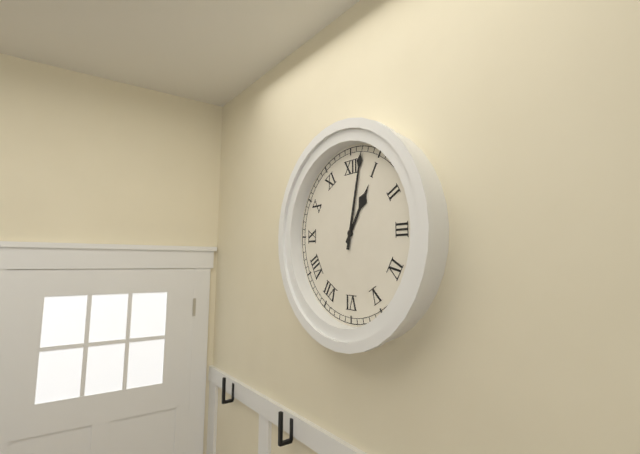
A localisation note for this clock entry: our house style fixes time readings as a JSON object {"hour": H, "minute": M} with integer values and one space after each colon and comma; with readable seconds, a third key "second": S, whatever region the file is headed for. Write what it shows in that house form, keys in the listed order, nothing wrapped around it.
{"hour": 1, "minute": 2}
